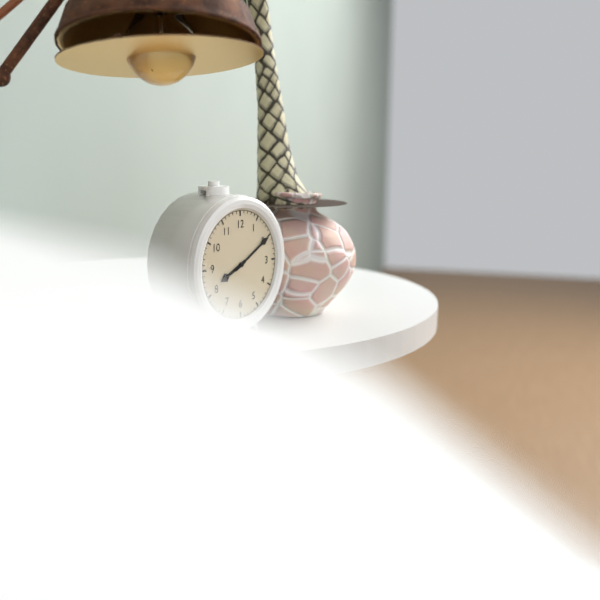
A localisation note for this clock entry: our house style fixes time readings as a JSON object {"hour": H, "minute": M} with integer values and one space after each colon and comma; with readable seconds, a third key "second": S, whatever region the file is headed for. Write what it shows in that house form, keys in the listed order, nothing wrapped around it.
{"hour": 8, "minute": 10}
